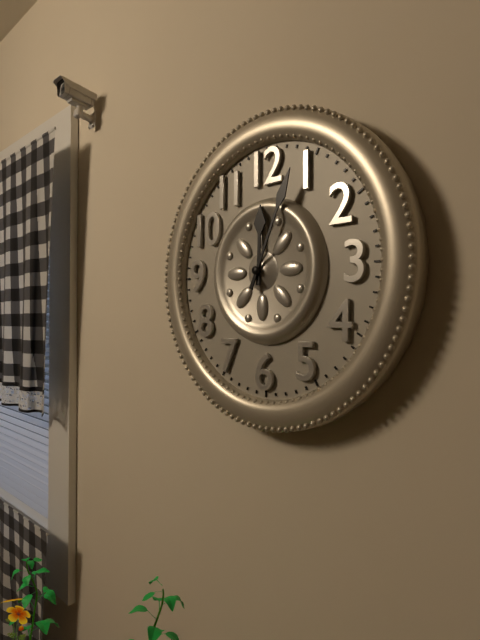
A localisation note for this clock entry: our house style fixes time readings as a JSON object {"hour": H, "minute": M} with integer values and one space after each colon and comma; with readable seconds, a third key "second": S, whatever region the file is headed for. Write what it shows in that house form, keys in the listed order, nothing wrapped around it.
{"hour": 12, "minute": 4}
